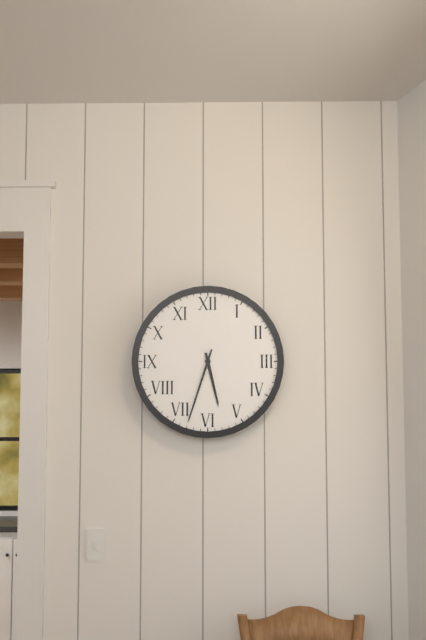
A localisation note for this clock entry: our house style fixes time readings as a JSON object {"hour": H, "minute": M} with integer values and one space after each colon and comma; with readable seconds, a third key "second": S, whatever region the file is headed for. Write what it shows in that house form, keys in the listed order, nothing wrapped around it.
{"hour": 5, "minute": 33}
